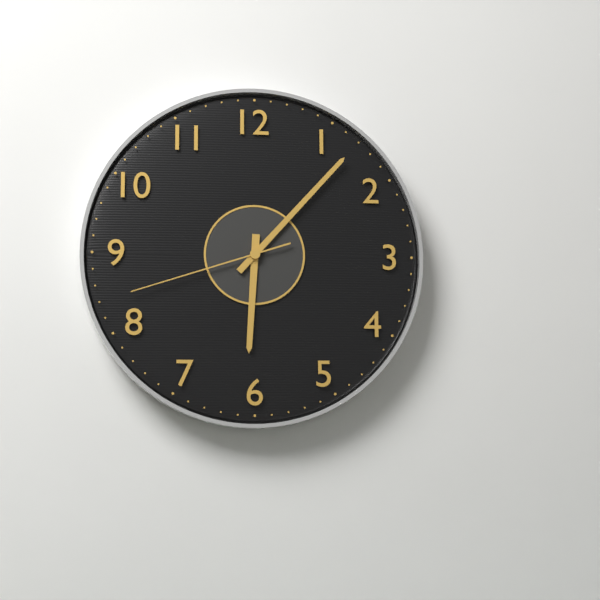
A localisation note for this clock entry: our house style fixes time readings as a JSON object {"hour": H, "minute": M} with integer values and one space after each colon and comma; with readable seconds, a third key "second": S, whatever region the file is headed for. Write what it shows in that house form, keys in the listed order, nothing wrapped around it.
{"hour": 6, "minute": 7, "second": 42}
